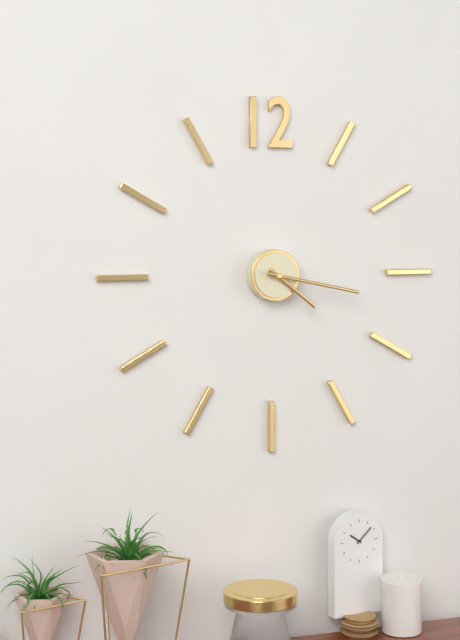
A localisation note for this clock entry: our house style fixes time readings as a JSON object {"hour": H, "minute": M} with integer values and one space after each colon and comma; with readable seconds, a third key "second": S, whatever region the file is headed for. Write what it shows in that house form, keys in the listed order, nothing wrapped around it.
{"hour": 4, "minute": 17}
